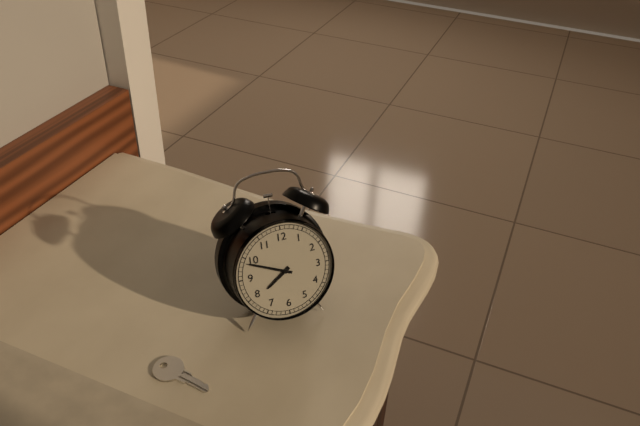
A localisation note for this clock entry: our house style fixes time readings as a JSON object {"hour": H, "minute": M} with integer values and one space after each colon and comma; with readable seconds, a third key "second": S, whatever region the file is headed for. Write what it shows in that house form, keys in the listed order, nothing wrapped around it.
{"hour": 7, "minute": 49}
